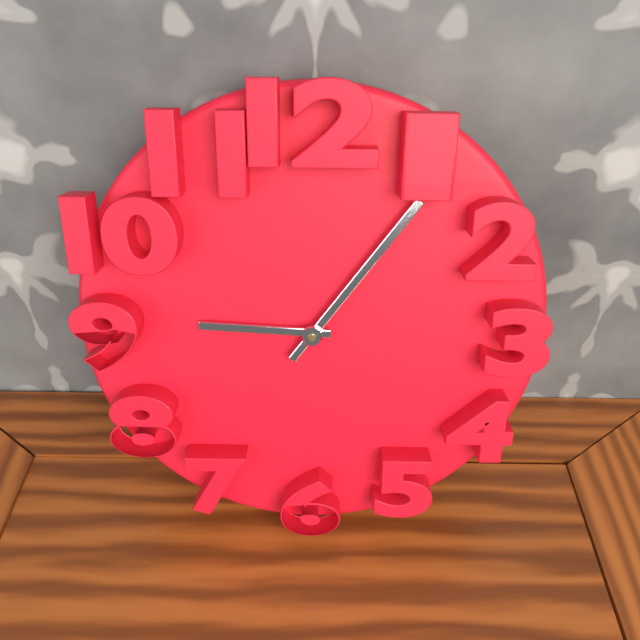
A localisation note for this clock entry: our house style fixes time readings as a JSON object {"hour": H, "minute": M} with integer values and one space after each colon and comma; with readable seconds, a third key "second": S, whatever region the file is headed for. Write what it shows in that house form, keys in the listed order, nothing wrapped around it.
{"hour": 9, "minute": 6}
